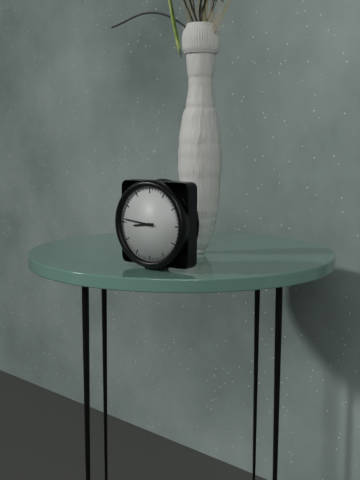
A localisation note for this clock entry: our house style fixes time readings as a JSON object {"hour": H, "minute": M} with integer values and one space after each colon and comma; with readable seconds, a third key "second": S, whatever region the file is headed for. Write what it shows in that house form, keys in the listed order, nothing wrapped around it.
{"hour": 8, "minute": 46}
